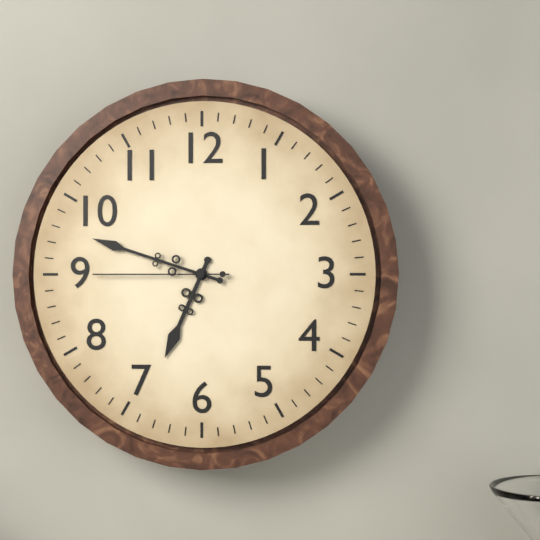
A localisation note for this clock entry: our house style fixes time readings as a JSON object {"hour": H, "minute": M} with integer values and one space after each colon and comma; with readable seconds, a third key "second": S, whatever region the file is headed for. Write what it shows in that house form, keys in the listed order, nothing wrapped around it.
{"hour": 6, "minute": 48, "second": 45}
